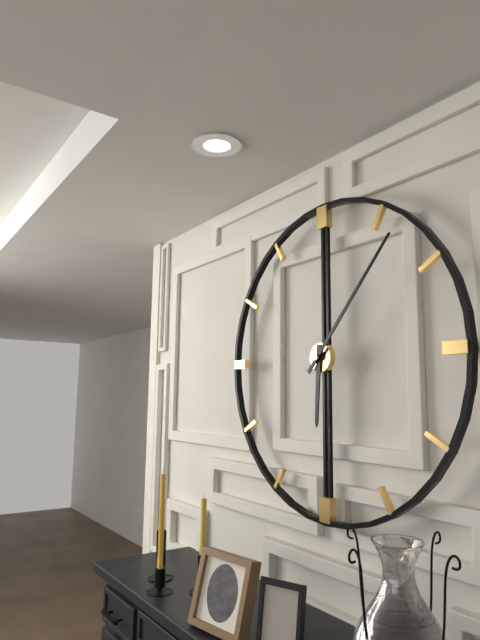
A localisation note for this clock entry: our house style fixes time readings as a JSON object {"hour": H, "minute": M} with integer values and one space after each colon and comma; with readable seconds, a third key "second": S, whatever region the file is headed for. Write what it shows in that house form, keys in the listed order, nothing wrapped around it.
{"hour": 6, "minute": 7}
